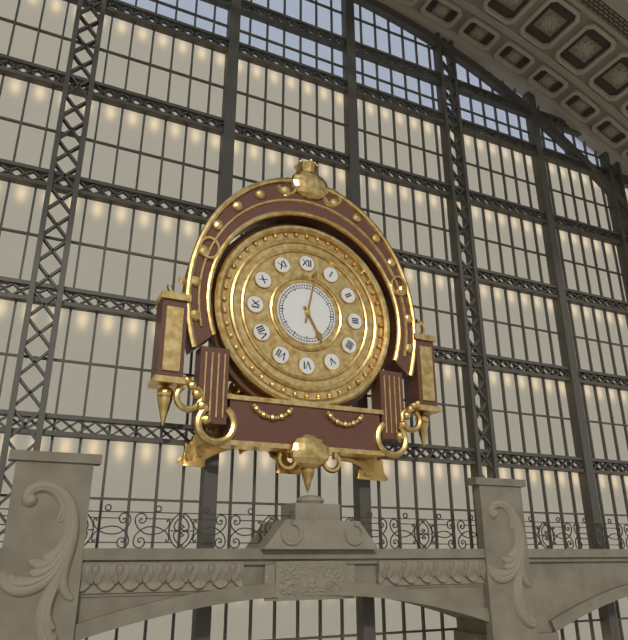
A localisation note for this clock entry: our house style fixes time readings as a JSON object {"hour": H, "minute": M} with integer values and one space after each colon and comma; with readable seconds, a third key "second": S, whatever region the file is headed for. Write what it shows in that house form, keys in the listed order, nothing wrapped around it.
{"hour": 5, "minute": 2}
